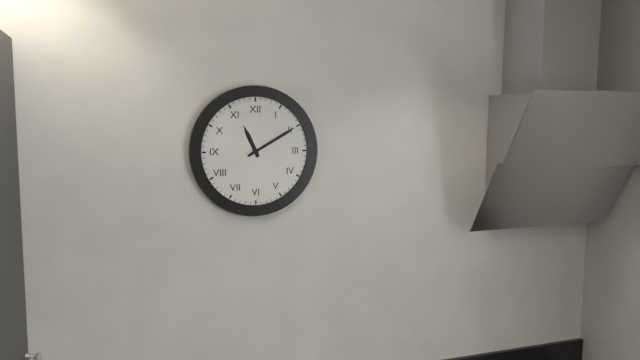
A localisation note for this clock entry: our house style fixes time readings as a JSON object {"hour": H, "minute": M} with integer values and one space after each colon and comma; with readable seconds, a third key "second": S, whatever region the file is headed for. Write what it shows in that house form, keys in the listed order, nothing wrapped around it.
{"hour": 11, "minute": 10}
